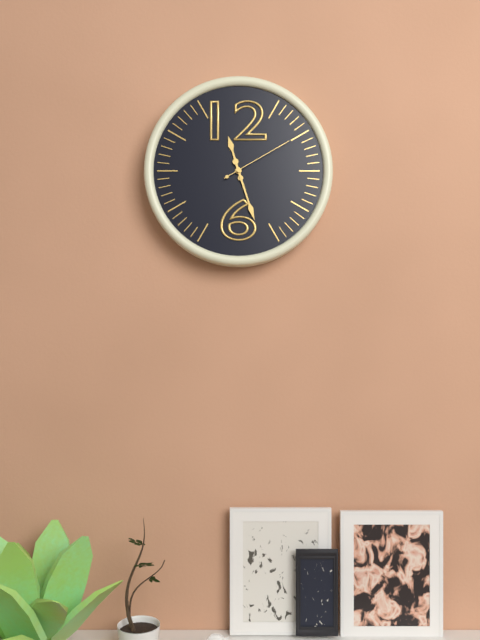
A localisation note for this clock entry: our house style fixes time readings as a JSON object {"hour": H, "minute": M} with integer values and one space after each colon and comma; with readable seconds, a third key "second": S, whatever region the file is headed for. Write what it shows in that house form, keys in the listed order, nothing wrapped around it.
{"hour": 11, "minute": 27, "second": 10}
